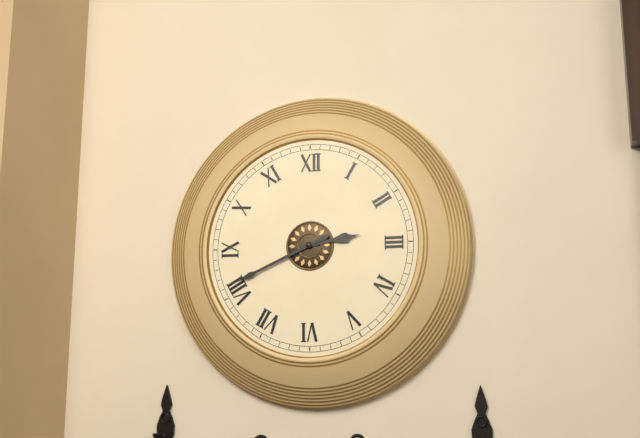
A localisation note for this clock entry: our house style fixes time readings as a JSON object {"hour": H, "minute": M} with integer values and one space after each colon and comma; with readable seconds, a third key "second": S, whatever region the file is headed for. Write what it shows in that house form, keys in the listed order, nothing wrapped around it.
{"hour": 2, "minute": 41}
